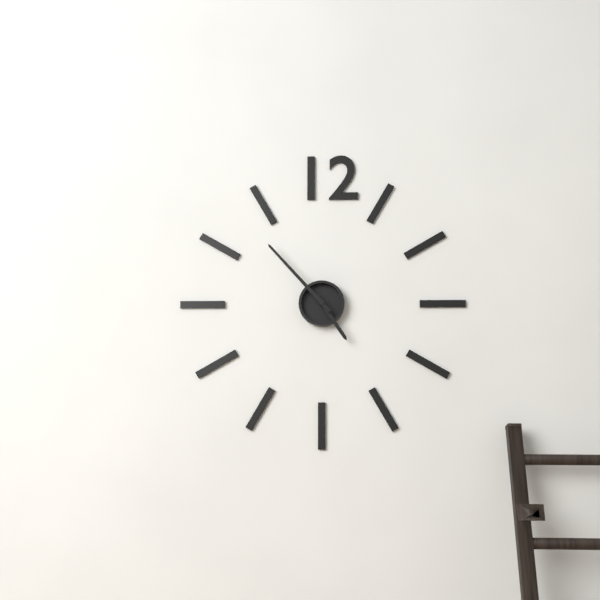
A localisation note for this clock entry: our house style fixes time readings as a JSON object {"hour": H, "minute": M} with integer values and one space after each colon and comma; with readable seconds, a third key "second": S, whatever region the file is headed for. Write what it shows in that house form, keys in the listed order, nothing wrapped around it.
{"hour": 4, "minute": 53}
